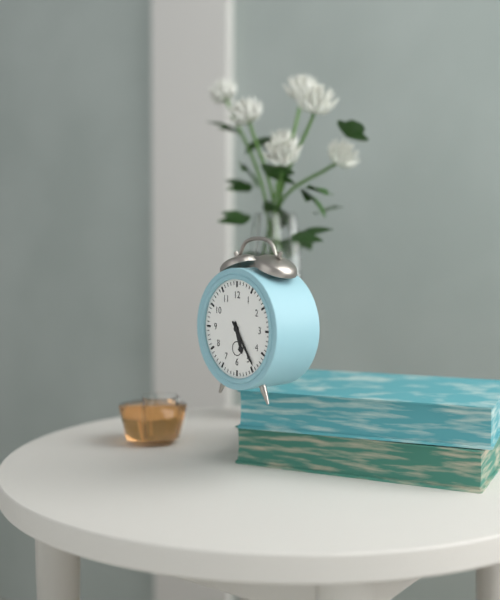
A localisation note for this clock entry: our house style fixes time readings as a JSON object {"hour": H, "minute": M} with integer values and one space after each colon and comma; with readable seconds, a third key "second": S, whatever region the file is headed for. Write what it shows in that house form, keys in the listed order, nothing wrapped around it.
{"hour": 5, "minute": 24}
